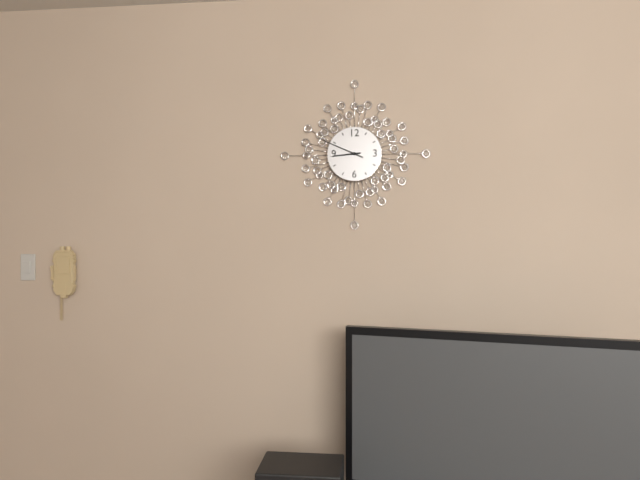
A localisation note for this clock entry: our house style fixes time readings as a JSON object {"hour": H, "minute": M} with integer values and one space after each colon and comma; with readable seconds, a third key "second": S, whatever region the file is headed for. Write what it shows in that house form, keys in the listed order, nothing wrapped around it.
{"hour": 8, "minute": 49}
